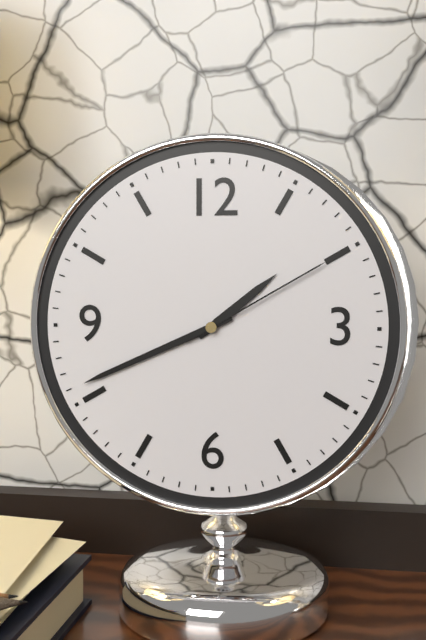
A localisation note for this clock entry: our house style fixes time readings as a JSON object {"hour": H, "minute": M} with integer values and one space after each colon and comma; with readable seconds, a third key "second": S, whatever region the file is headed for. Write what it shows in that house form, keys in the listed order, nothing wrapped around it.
{"hour": 1, "minute": 41, "second": 10}
